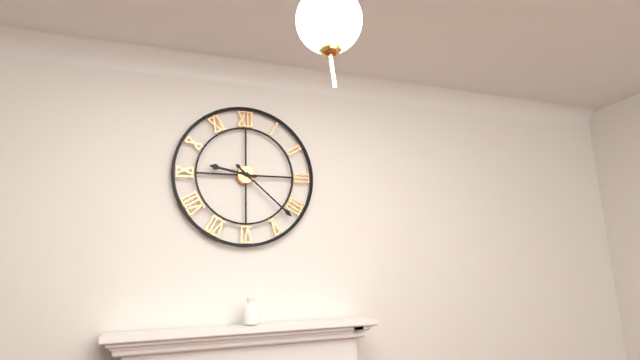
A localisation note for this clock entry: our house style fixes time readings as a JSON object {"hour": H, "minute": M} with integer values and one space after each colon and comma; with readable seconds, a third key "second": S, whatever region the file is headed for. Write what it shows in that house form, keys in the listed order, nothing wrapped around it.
{"hour": 9, "minute": 22}
